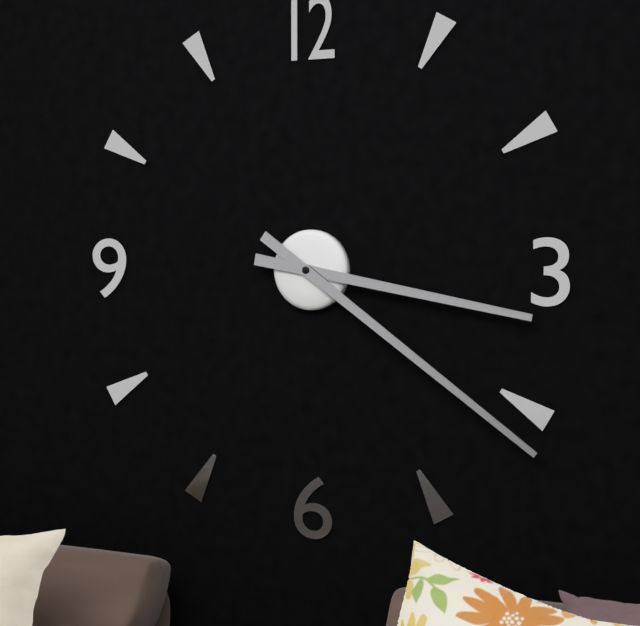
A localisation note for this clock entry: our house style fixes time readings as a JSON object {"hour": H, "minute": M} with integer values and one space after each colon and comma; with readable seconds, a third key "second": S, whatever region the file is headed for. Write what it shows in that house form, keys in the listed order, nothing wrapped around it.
{"hour": 3, "minute": 21}
